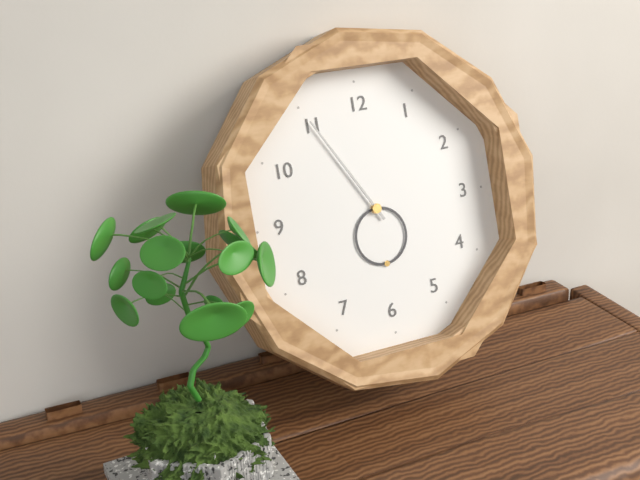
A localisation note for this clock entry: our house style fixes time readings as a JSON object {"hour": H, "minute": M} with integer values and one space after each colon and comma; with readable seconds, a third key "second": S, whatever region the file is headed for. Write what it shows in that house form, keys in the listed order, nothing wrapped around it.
{"hour": 5, "minute": 55}
